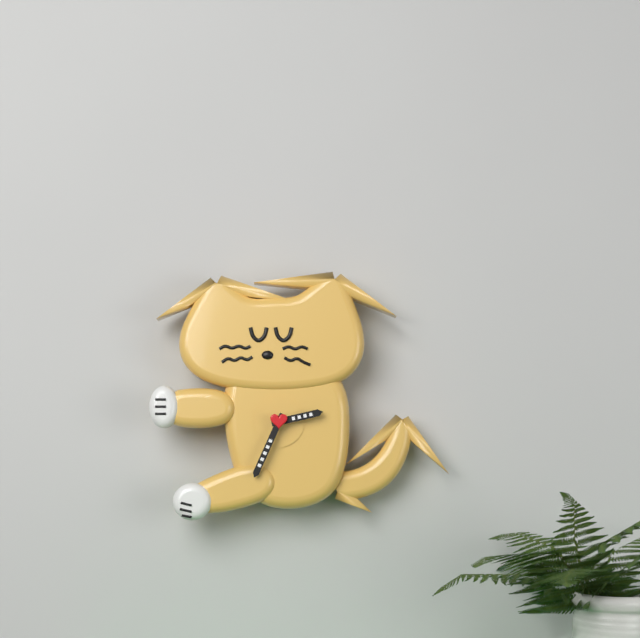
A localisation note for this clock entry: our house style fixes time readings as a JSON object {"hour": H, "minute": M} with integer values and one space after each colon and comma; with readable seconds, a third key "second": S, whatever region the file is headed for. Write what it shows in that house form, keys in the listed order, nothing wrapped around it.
{"hour": 2, "minute": 34}
